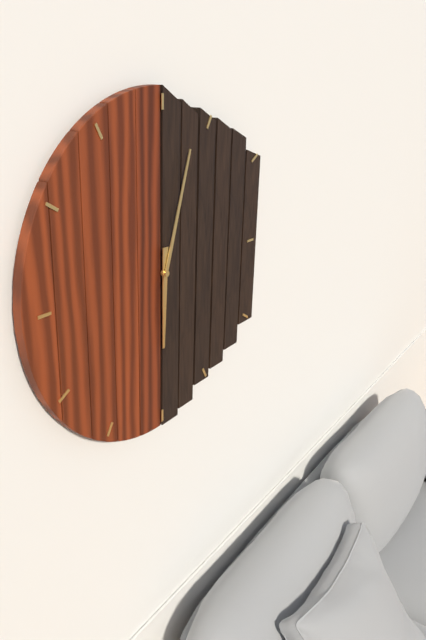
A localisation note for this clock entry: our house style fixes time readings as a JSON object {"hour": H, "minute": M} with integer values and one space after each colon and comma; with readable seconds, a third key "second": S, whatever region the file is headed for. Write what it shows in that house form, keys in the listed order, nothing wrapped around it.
{"hour": 6, "minute": 3}
